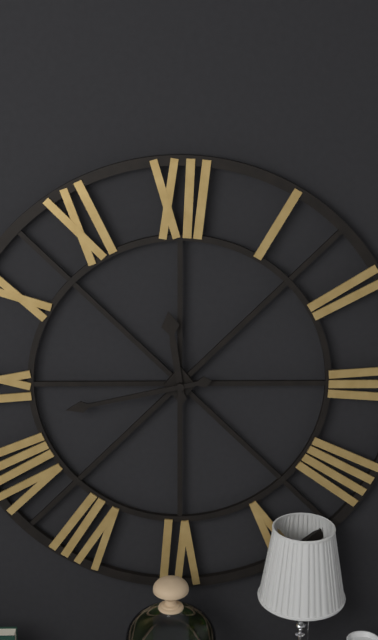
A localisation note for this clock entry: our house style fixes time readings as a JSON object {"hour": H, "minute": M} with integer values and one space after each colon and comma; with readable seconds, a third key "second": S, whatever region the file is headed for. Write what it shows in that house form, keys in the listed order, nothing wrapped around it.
{"hour": 11, "minute": 43}
